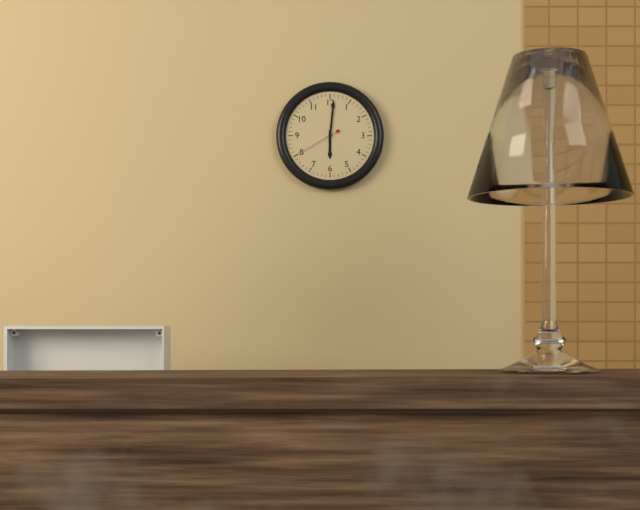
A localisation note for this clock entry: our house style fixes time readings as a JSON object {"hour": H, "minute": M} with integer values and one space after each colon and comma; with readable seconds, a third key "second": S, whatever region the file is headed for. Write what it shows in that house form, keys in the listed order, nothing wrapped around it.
{"hour": 6, "minute": 1}
